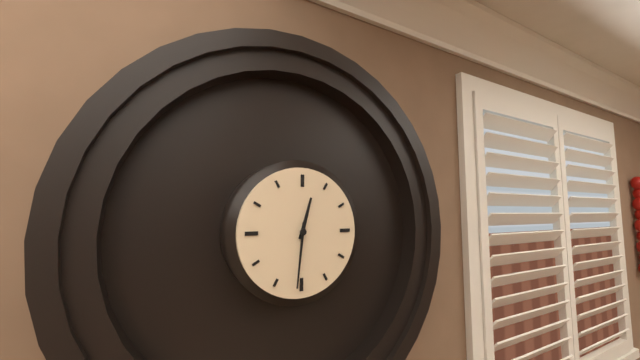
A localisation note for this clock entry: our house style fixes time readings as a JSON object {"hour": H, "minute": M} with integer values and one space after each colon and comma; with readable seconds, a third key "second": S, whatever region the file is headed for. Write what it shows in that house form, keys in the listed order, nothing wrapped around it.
{"hour": 12, "minute": 31}
